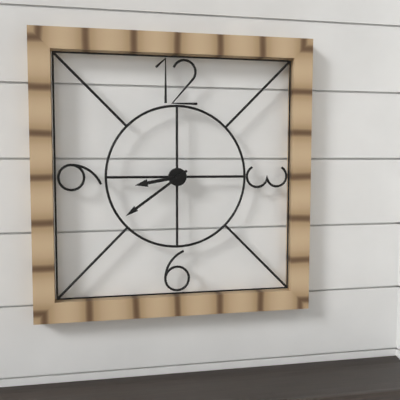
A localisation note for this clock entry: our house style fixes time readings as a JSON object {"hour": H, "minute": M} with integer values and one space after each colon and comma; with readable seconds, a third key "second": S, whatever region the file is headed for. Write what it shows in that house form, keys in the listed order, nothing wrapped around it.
{"hour": 8, "minute": 39}
